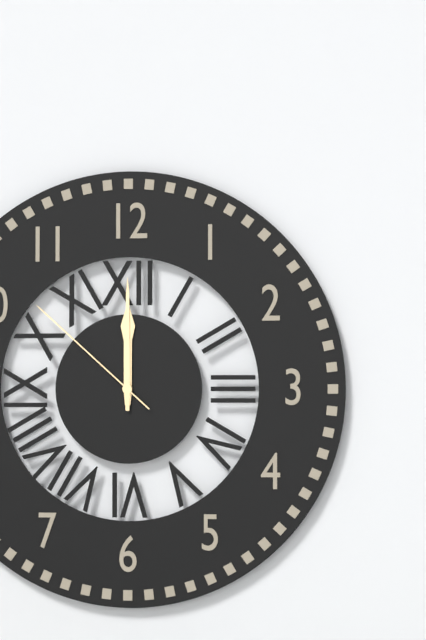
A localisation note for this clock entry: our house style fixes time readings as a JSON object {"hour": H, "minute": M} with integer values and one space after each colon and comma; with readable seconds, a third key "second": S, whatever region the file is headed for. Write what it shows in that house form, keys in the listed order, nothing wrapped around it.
{"hour": 12, "minute": 0, "second": 52}
